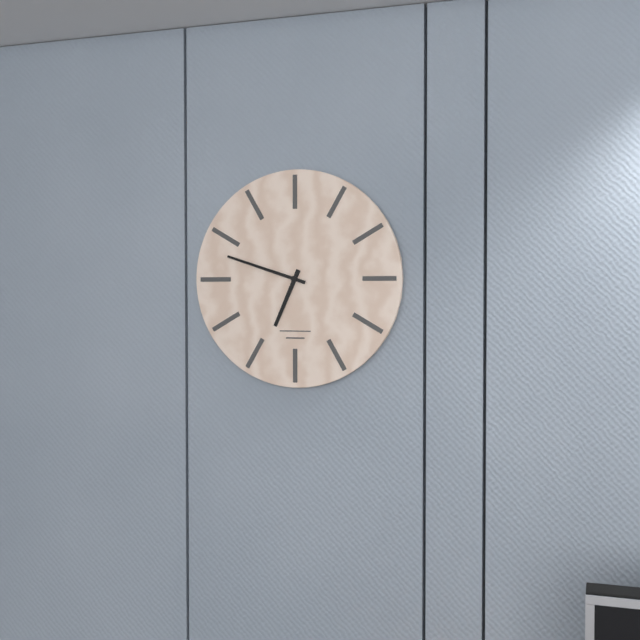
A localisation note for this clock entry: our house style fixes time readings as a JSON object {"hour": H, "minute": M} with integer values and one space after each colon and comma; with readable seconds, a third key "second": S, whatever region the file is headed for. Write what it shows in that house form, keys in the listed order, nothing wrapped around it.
{"hour": 6, "minute": 48}
